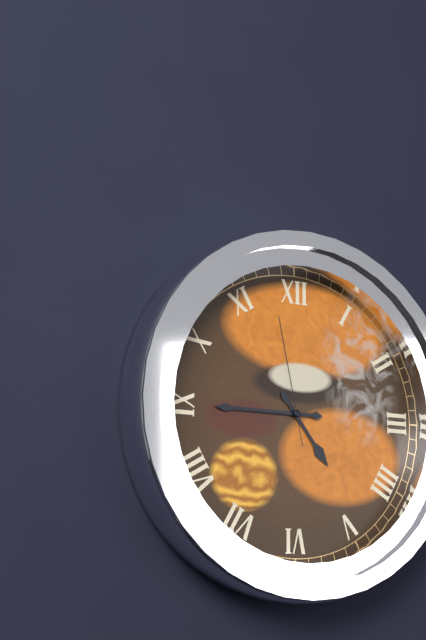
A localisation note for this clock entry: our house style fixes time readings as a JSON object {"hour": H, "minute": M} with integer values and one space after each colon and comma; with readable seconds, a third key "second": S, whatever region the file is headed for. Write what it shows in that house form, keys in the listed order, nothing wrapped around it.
{"hour": 4, "minute": 45, "second": 58}
